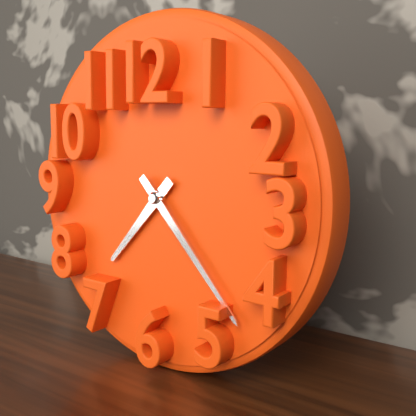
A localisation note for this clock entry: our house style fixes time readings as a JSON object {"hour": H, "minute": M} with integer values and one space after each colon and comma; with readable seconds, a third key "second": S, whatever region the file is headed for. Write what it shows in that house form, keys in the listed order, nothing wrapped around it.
{"hour": 7, "minute": 23}
